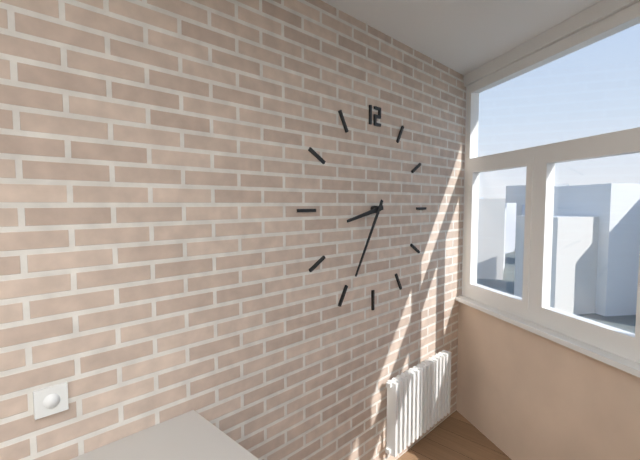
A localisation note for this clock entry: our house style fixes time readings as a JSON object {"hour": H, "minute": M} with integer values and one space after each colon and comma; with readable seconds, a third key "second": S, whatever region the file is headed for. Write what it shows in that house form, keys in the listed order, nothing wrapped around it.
{"hour": 8, "minute": 35}
